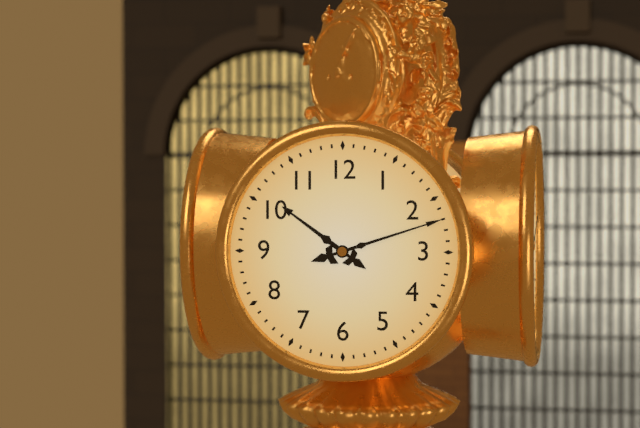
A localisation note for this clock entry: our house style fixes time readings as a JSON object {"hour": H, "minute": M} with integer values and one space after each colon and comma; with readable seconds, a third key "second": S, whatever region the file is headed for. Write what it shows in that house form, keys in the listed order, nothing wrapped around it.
{"hour": 10, "minute": 12}
